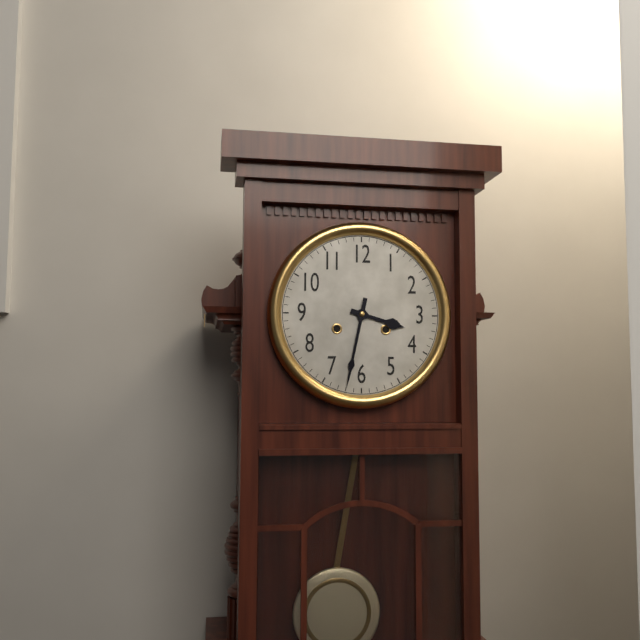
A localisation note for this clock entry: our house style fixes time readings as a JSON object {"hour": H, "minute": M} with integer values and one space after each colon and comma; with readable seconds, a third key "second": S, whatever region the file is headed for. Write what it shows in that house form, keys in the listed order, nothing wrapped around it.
{"hour": 3, "minute": 32}
